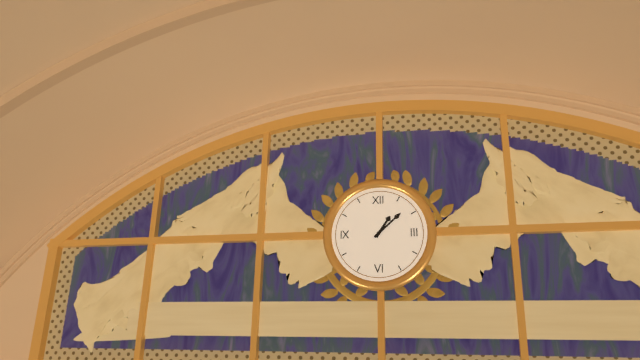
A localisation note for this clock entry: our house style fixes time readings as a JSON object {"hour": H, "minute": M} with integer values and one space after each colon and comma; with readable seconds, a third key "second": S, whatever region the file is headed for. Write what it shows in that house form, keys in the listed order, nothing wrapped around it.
{"hour": 1, "minute": 8}
